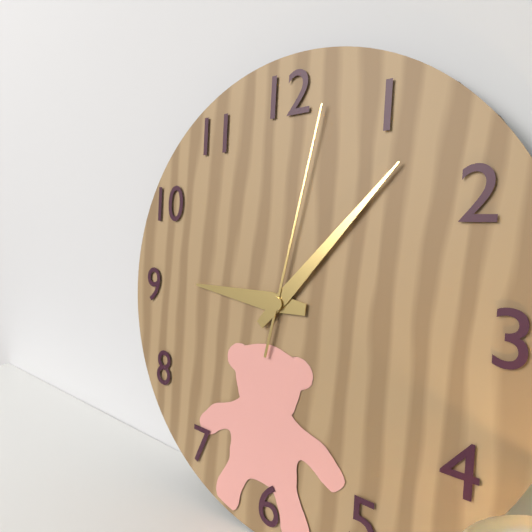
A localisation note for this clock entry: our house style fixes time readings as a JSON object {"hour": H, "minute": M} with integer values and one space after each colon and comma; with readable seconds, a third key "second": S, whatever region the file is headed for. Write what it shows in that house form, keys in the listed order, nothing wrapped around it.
{"hour": 9, "minute": 7, "second": 2}
